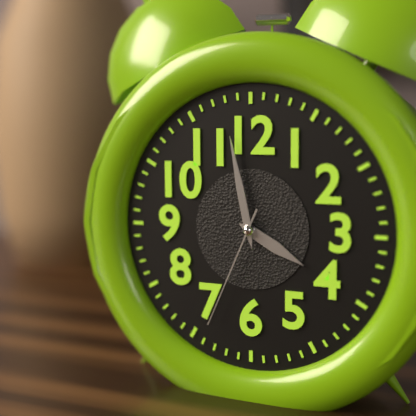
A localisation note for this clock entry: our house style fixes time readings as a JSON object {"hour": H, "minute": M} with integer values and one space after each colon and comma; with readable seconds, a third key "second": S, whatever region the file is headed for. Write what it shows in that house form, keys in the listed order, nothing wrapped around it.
{"hour": 3, "minute": 58, "second": 34}
